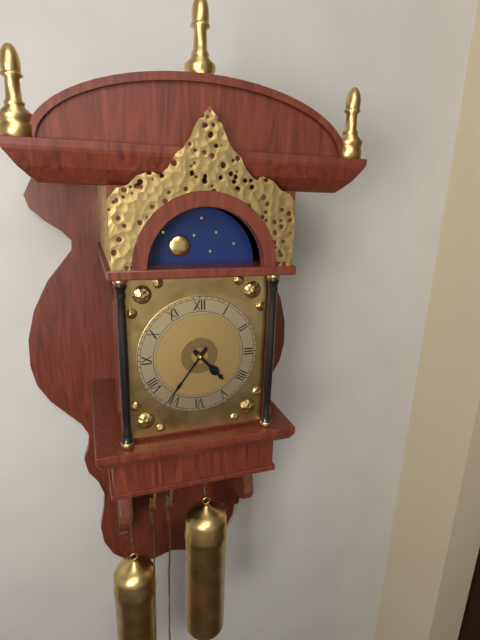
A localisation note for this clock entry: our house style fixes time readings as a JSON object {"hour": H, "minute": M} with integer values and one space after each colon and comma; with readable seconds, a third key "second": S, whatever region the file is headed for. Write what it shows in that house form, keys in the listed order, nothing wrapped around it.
{"hour": 4, "minute": 36}
